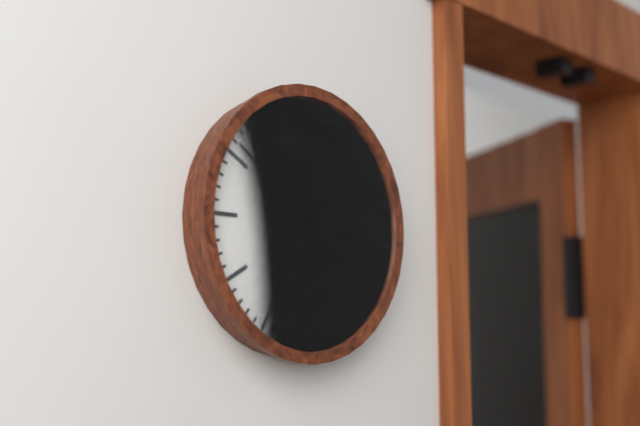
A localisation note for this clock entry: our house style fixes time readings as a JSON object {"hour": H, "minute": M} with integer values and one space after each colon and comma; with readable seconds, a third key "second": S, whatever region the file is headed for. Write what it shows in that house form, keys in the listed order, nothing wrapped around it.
{"hour": 3, "minute": 51}
